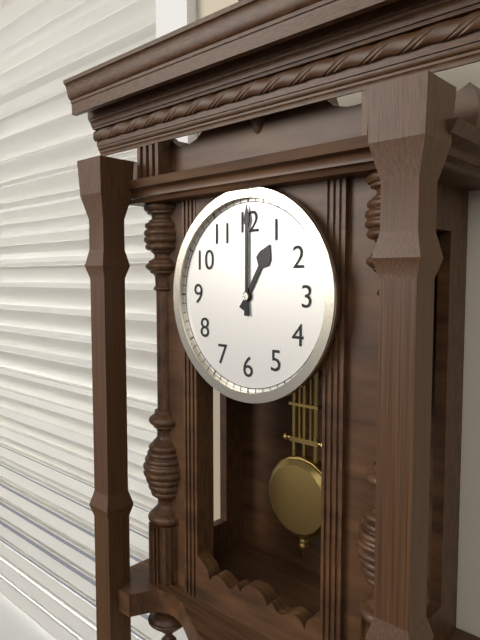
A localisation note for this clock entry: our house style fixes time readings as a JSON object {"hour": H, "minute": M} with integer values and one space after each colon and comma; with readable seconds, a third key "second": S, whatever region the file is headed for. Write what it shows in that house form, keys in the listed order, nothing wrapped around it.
{"hour": 1, "minute": 0}
